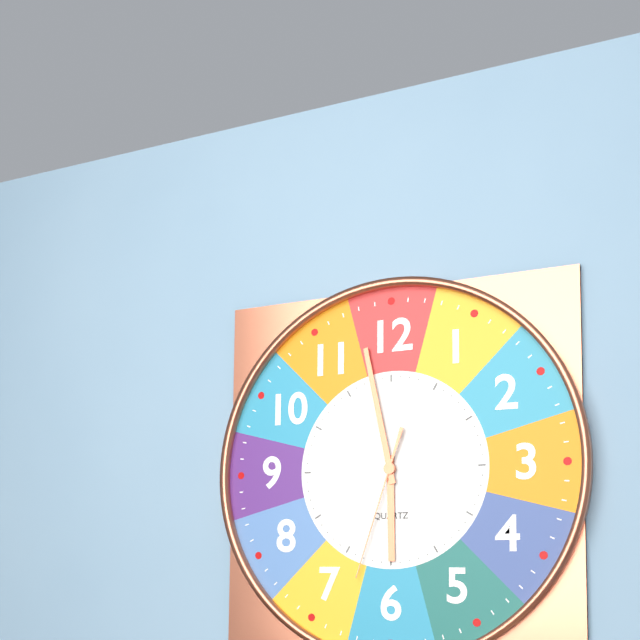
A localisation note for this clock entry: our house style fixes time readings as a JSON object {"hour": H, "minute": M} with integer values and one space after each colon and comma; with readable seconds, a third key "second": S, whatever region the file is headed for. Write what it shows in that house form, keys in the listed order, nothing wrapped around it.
{"hour": 5, "minute": 58, "second": 33}
